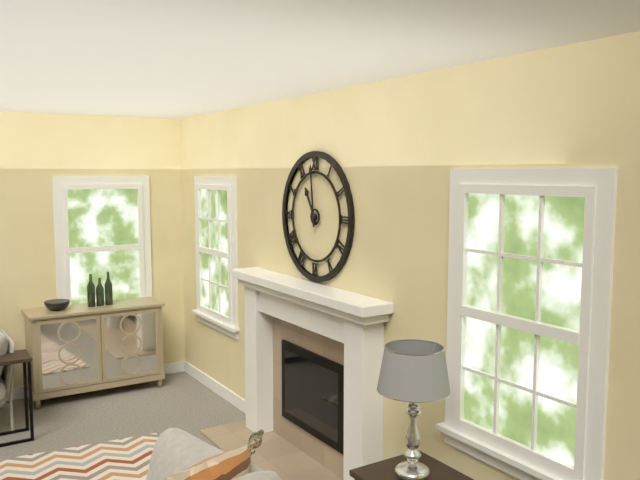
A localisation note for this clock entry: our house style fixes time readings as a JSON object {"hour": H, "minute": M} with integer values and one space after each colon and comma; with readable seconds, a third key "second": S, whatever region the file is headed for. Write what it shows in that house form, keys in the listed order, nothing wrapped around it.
{"hour": 10, "minute": 59}
